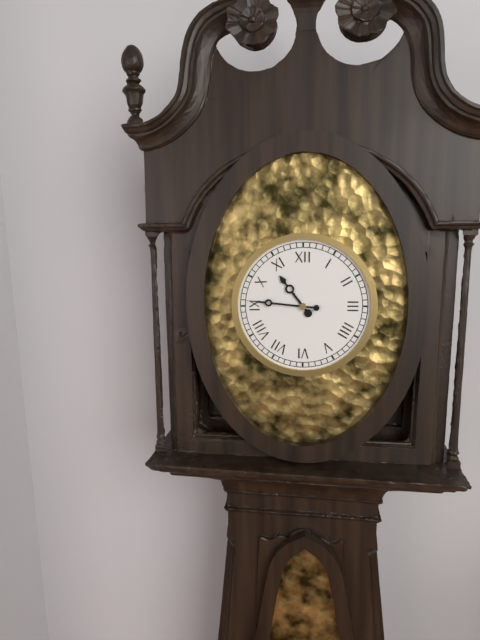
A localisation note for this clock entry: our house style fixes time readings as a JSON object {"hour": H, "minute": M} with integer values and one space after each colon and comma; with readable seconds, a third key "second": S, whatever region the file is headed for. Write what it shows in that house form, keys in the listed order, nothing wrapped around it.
{"hour": 10, "minute": 46}
